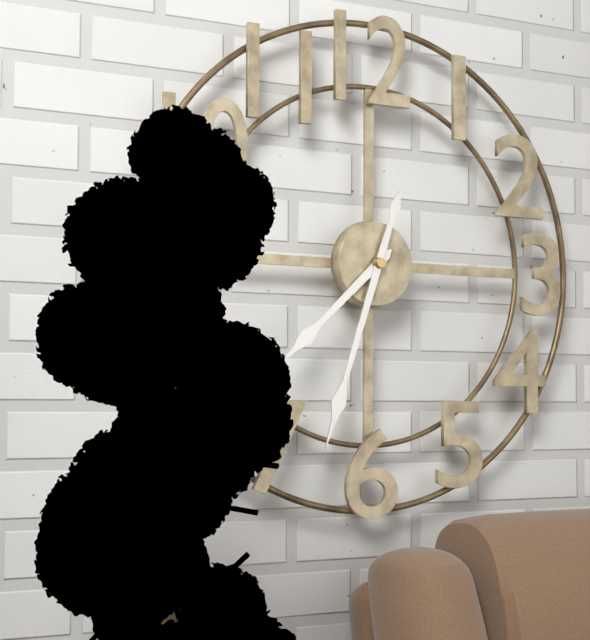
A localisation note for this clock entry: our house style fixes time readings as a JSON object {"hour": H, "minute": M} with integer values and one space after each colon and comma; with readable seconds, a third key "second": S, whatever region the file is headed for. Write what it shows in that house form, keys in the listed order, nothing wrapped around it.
{"hour": 7, "minute": 33}
